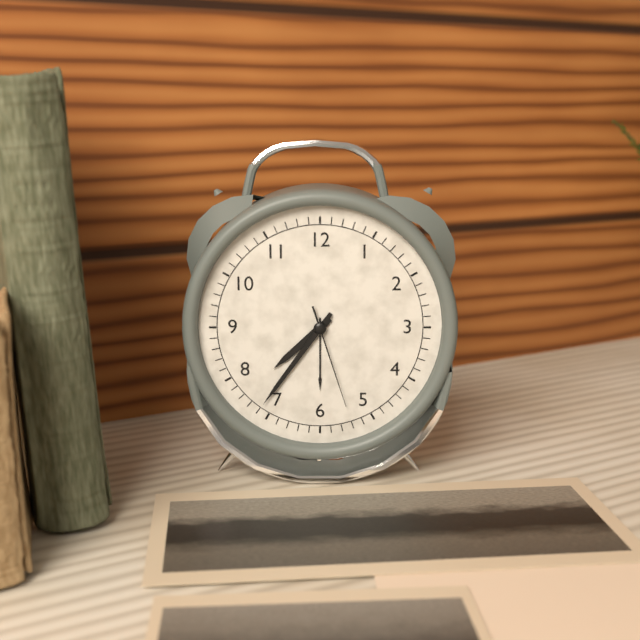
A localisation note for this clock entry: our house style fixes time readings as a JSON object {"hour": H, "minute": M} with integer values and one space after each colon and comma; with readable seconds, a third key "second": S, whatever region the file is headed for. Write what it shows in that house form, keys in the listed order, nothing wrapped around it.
{"hour": 7, "minute": 36, "second": 27}
